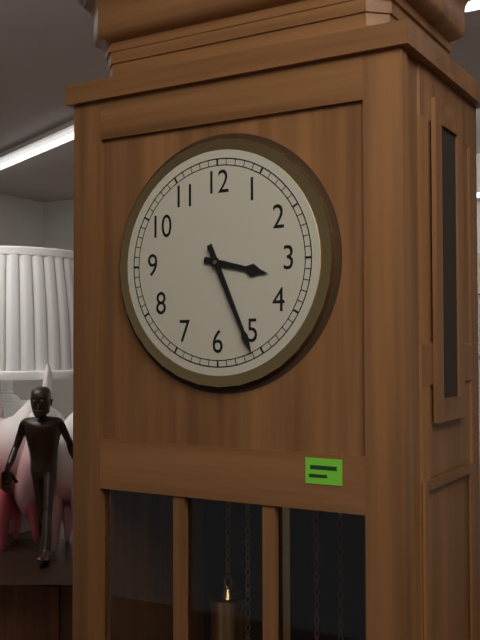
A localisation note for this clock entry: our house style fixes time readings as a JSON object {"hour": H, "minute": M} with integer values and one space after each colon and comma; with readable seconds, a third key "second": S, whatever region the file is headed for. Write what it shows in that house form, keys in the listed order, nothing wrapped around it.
{"hour": 3, "minute": 26}
